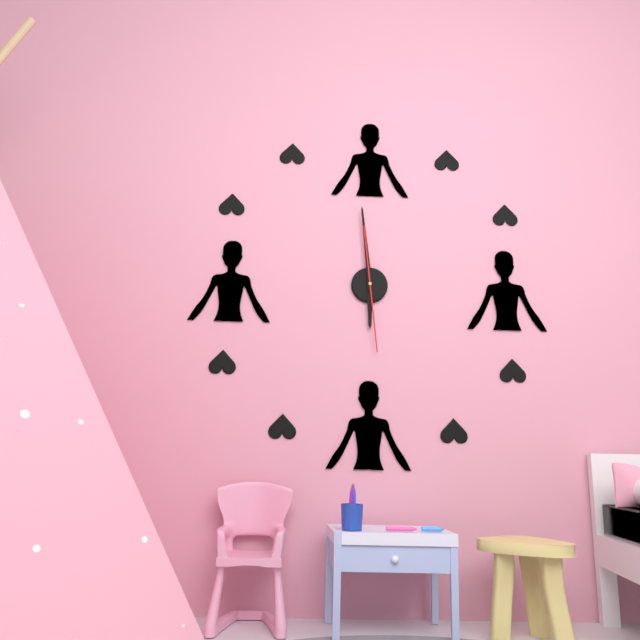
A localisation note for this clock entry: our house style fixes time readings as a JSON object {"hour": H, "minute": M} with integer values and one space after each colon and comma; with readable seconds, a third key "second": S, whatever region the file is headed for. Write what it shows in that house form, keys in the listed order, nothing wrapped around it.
{"hour": 5, "minute": 59, "second": 29}
